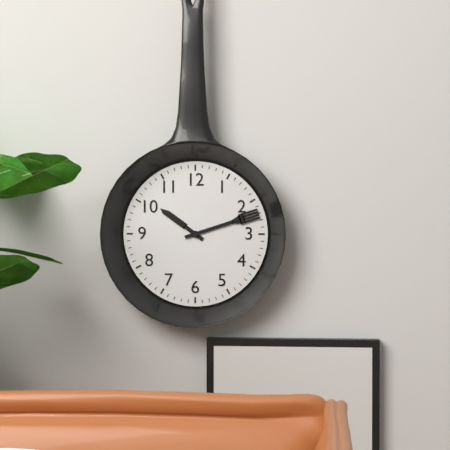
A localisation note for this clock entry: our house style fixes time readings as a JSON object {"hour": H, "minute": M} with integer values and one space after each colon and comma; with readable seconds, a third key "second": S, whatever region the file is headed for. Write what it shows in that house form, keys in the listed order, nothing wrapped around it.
{"hour": 10, "minute": 12}
